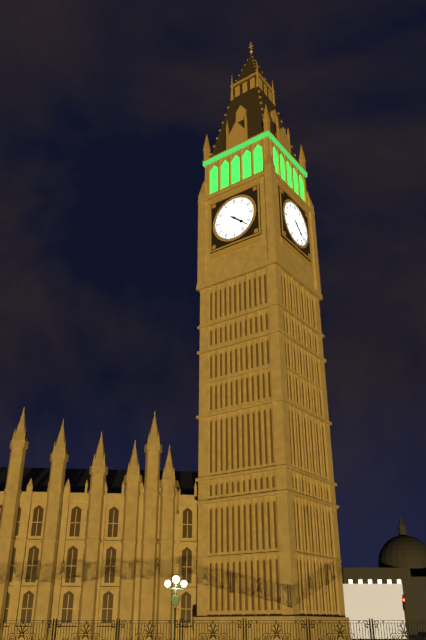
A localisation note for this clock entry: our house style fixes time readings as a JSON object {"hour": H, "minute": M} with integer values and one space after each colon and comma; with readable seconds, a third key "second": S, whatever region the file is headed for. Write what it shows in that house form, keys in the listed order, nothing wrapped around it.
{"hour": 4, "minute": 22}
